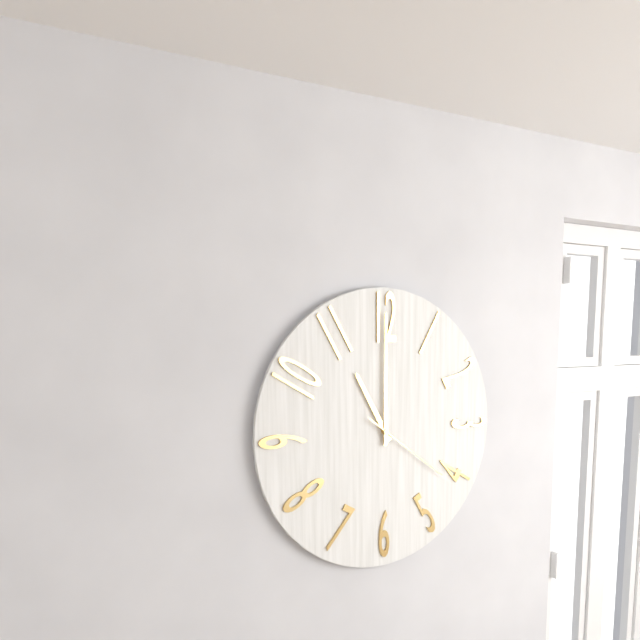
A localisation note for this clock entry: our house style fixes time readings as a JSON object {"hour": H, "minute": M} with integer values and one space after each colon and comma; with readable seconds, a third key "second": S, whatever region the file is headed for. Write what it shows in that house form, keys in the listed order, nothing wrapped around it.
{"hour": 11, "minute": 0, "second": 21}
